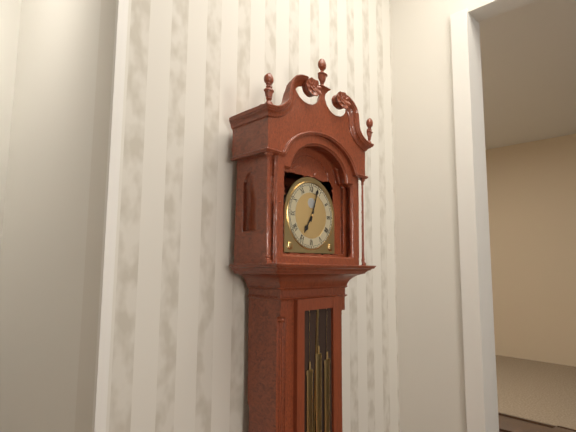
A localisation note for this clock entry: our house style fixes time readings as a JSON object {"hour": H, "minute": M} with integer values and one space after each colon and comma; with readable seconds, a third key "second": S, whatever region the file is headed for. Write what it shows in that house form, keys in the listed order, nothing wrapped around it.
{"hour": 7, "minute": 3}
